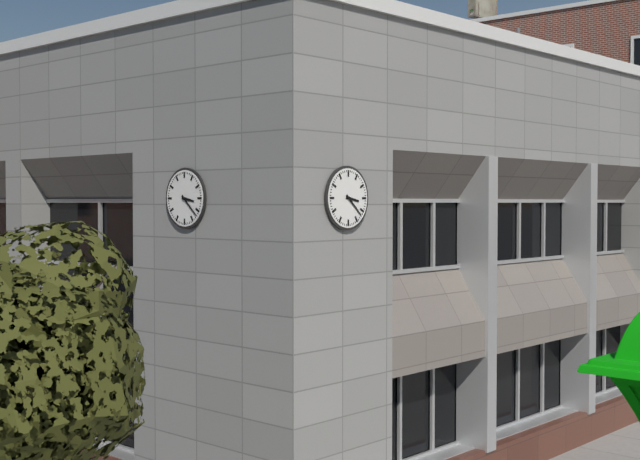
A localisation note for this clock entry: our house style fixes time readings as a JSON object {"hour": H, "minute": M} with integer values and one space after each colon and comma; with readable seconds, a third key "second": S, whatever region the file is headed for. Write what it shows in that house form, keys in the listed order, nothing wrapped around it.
{"hour": 3, "minute": 22}
